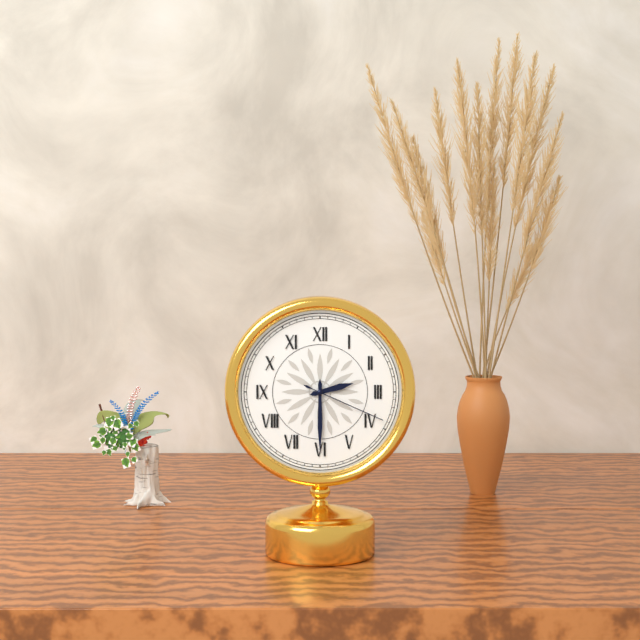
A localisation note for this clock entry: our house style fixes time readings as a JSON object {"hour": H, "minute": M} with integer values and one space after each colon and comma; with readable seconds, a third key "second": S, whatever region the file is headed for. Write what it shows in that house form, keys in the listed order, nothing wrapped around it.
{"hour": 2, "minute": 30, "second": 19}
